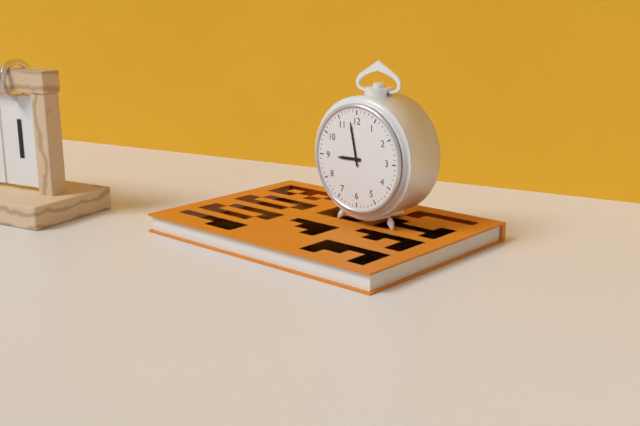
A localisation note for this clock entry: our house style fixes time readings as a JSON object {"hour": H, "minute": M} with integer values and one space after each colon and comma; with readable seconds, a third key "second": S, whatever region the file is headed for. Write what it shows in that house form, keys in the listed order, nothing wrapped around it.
{"hour": 8, "minute": 58}
